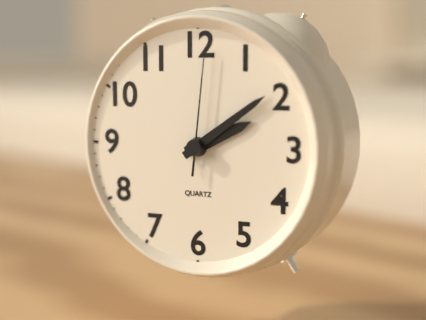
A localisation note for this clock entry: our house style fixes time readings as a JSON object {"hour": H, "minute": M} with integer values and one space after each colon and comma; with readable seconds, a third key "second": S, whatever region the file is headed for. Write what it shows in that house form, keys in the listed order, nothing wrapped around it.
{"hour": 2, "minute": 9, "second": 1}
